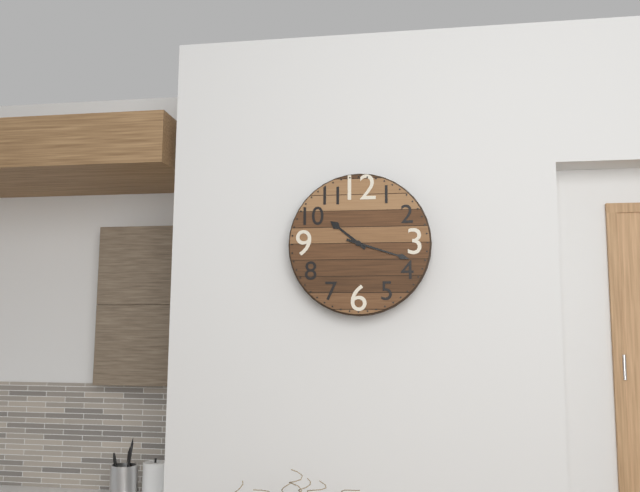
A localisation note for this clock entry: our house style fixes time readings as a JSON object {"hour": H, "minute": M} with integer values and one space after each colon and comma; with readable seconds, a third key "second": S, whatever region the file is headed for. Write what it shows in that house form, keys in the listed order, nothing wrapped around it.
{"hour": 10, "minute": 18}
